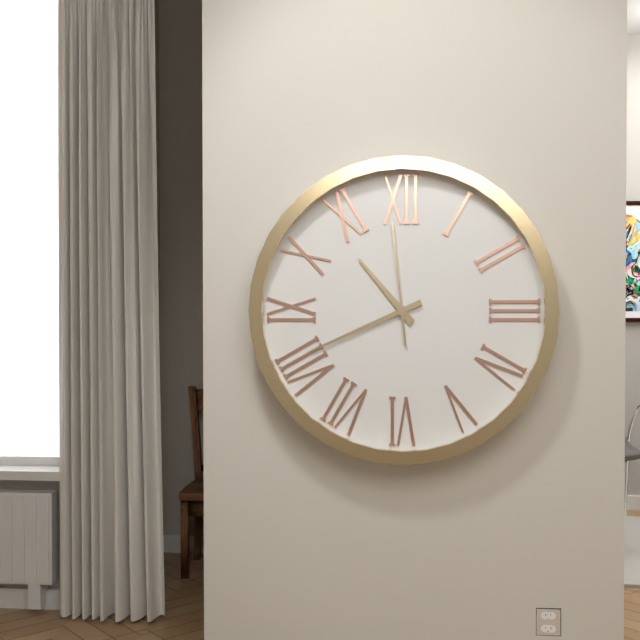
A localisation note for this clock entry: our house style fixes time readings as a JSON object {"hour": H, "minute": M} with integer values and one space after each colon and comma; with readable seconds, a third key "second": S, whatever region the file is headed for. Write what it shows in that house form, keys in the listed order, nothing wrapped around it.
{"hour": 10, "minute": 41, "second": 59}
